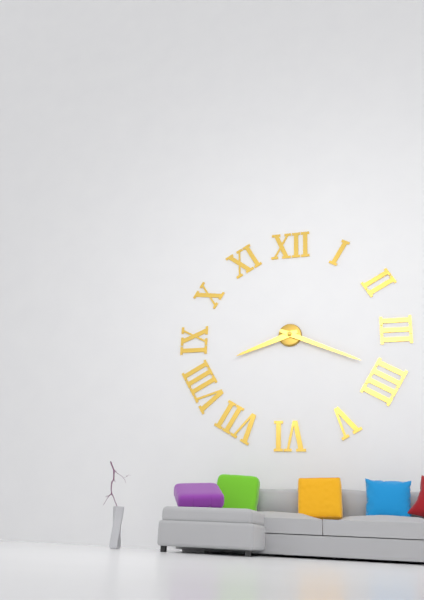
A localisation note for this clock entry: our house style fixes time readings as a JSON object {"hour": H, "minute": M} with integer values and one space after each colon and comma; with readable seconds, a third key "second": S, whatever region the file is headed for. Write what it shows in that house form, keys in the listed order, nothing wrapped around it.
{"hour": 8, "minute": 19}
